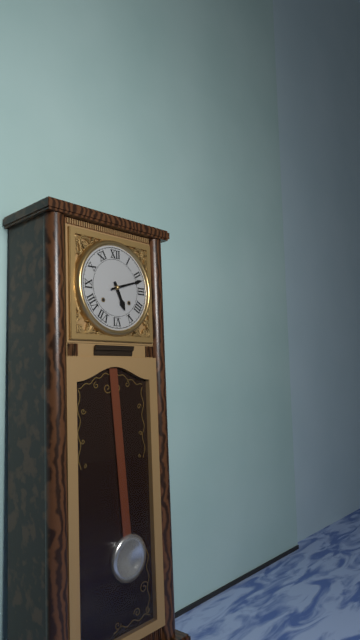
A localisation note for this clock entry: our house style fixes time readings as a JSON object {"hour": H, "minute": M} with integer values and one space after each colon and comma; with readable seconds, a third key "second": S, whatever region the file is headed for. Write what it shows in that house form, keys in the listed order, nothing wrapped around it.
{"hour": 5, "minute": 12}
